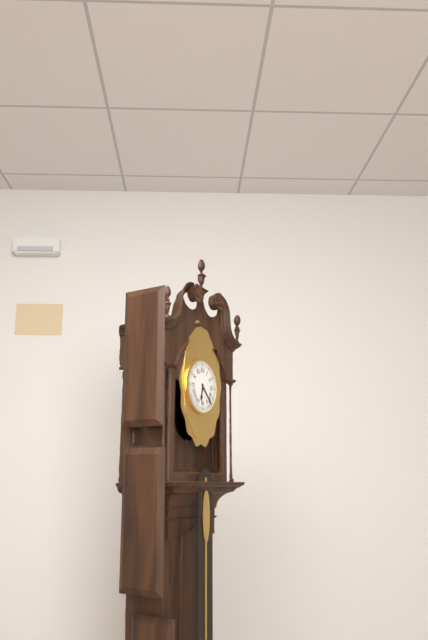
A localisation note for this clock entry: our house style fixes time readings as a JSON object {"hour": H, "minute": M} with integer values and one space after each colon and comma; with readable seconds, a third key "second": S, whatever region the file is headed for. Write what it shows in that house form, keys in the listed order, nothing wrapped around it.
{"hour": 6, "minute": 23}
